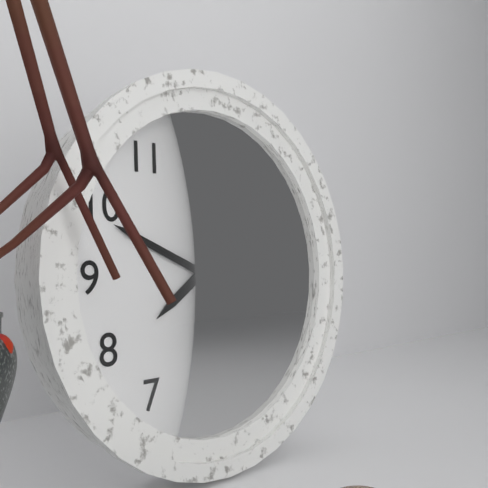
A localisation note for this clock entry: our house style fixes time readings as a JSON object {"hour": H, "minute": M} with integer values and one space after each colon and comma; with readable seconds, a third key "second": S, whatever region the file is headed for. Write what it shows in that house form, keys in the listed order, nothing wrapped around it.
{"hour": 7, "minute": 49, "second": 1}
